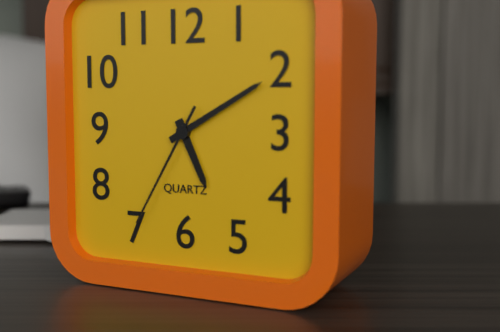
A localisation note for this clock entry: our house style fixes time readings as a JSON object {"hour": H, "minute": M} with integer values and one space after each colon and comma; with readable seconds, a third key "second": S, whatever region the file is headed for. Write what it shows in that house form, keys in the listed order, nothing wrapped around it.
{"hour": 5, "minute": 10, "second": 35}
